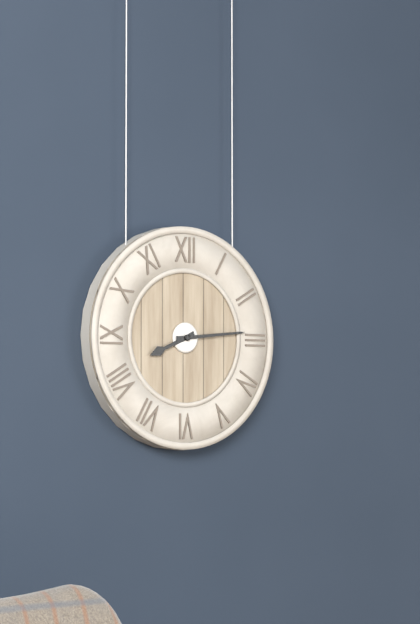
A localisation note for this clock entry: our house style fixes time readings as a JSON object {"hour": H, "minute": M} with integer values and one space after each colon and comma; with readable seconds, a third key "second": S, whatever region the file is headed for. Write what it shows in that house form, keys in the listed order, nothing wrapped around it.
{"hour": 8, "minute": 14}
